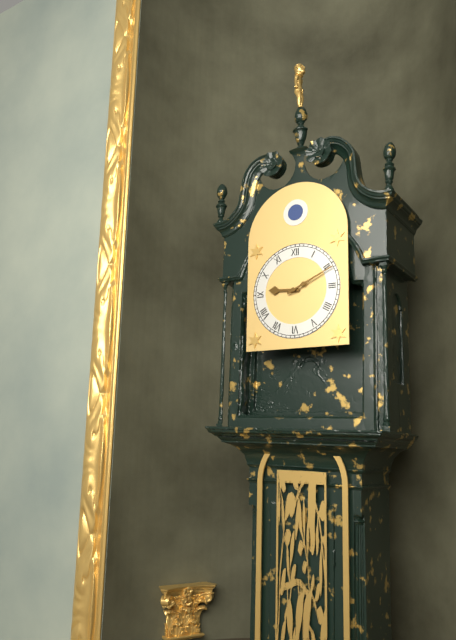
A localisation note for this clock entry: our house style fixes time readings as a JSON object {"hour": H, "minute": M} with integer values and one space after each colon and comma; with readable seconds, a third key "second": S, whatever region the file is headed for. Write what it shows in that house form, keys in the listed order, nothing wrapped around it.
{"hour": 9, "minute": 11}
